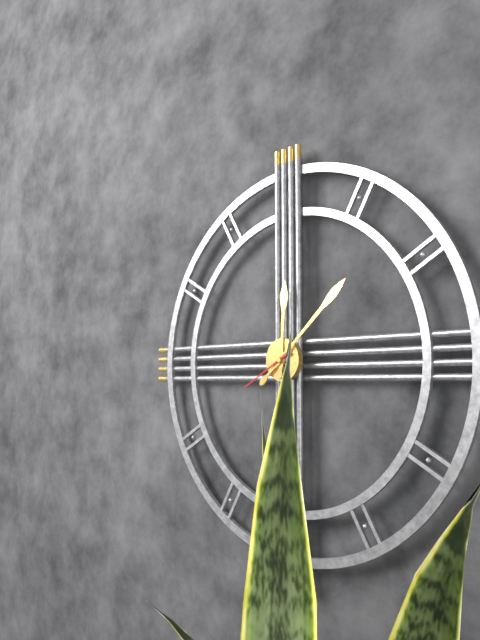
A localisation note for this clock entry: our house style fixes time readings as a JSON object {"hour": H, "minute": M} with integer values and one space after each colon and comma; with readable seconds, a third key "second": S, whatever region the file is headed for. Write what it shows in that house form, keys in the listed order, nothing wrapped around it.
{"hour": 12, "minute": 8, "second": 40}
